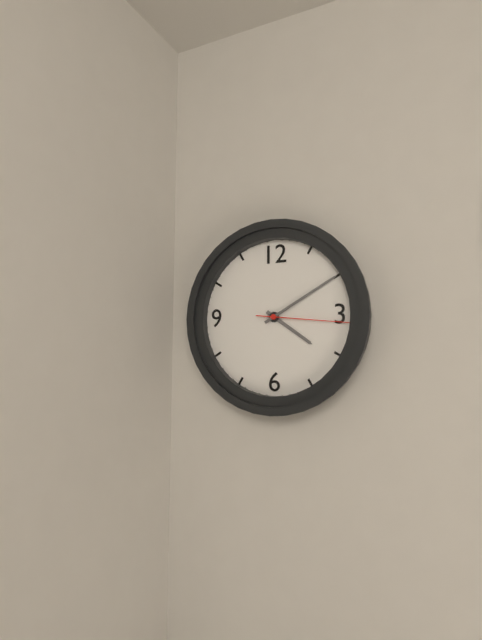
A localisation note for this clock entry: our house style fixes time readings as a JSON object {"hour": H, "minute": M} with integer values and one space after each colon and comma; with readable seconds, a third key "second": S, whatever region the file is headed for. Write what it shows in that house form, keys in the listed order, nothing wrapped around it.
{"hour": 4, "minute": 10, "second": 16}
